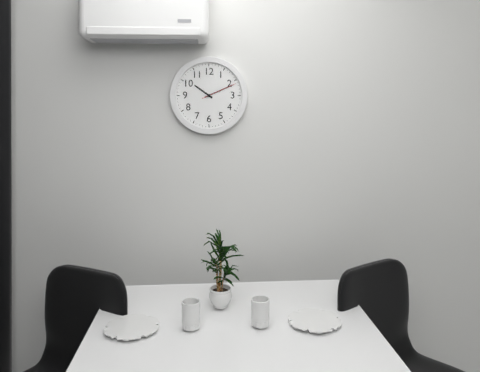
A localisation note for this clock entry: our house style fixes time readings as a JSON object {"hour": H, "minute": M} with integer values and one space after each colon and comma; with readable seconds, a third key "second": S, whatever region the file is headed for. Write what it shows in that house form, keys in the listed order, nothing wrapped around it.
{"hour": 10, "minute": 11}
